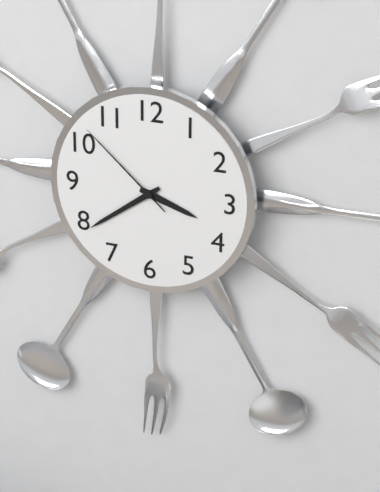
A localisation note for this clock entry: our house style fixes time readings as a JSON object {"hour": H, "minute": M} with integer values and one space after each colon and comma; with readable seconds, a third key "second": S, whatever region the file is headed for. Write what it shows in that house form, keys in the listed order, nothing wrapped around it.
{"hour": 3, "minute": 39, "second": 52}
